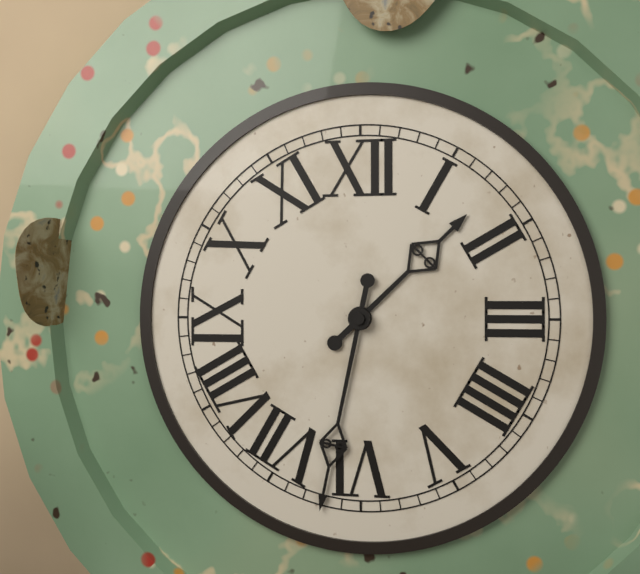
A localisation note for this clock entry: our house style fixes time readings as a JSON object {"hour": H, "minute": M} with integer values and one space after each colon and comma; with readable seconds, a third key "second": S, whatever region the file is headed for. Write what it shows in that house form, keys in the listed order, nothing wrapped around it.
{"hour": 1, "minute": 32}
